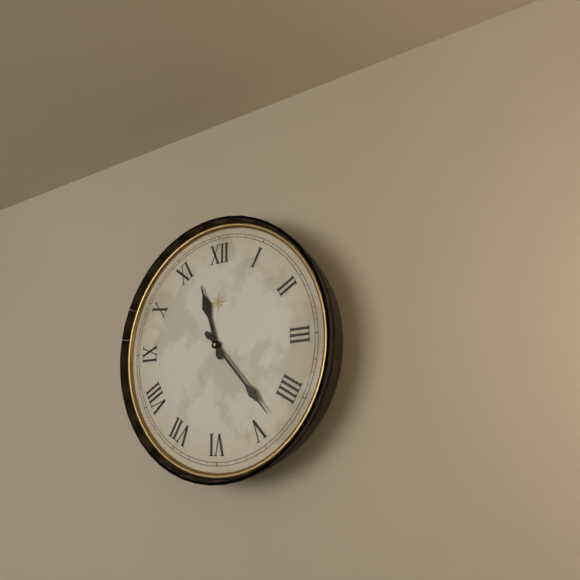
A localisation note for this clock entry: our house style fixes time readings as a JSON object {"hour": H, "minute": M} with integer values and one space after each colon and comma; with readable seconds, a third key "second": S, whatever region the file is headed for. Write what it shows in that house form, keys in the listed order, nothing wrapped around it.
{"hour": 11, "minute": 23}
